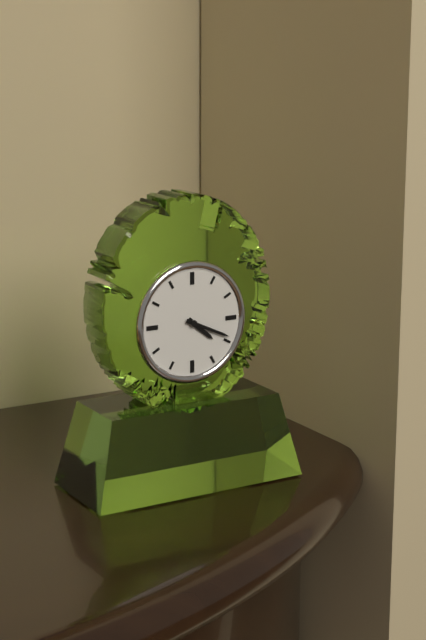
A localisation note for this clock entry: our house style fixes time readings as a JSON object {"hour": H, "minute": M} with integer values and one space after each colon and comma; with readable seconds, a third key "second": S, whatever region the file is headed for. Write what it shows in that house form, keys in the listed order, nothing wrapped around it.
{"hour": 4, "minute": 19}
